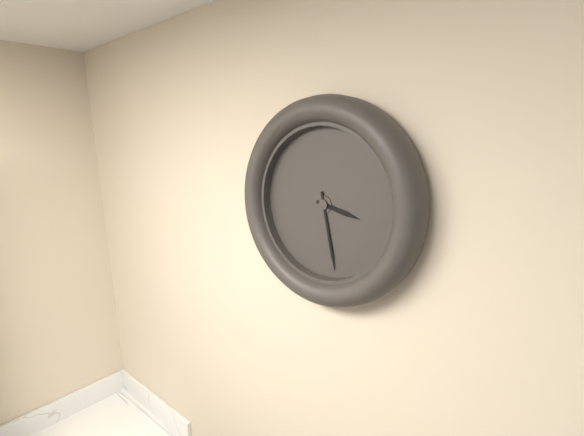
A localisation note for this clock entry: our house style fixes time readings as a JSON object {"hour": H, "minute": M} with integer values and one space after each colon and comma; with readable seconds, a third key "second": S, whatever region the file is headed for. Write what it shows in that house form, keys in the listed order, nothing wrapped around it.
{"hour": 3, "minute": 28}
